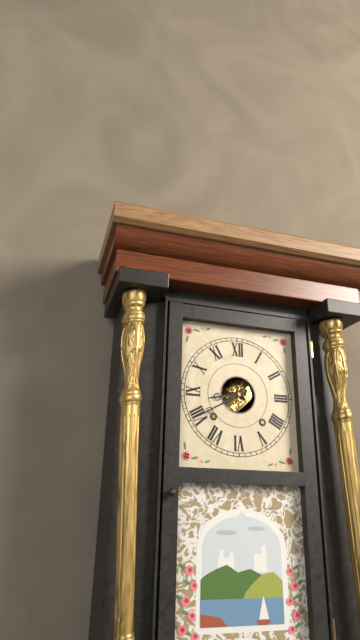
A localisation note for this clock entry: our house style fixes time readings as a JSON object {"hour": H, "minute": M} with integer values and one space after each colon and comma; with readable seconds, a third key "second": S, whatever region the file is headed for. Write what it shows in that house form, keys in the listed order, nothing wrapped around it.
{"hour": 8, "minute": 40}
